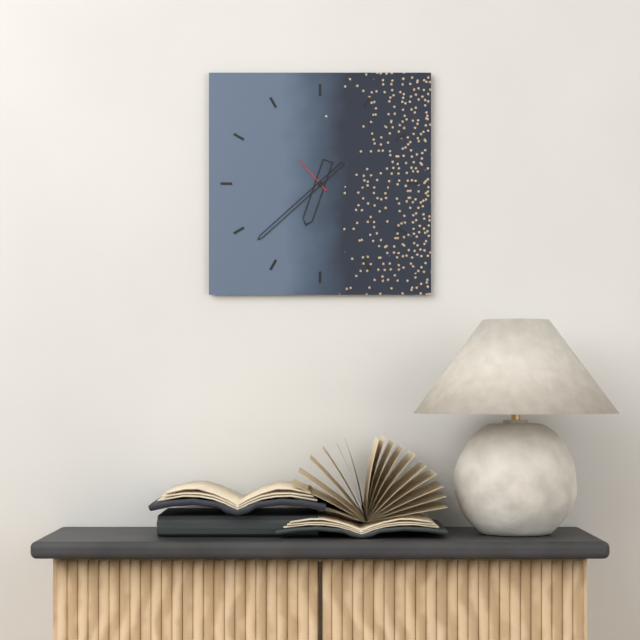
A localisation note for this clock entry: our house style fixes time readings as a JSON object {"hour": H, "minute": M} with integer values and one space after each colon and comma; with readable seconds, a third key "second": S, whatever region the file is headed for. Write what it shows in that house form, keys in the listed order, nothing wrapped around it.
{"hour": 6, "minute": 38}
